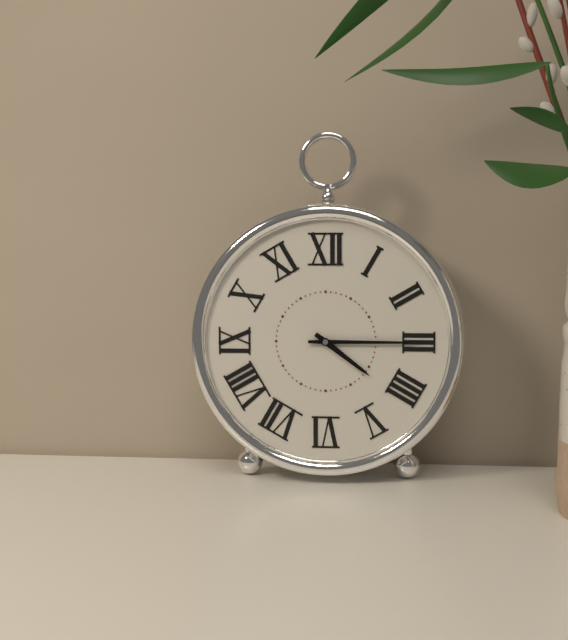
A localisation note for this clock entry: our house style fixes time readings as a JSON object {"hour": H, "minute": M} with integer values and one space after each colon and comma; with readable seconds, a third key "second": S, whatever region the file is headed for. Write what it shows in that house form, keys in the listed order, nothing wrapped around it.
{"hour": 4, "minute": 15}
